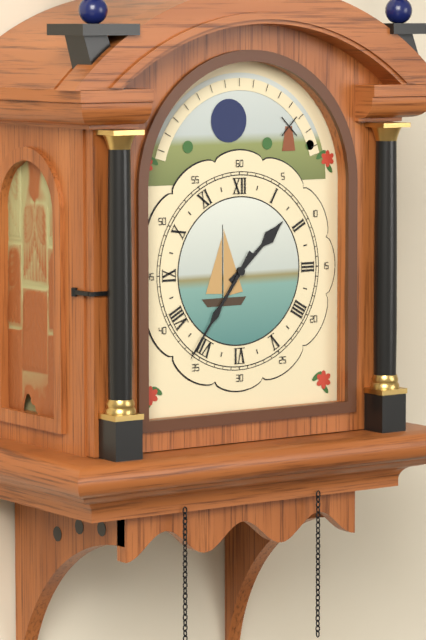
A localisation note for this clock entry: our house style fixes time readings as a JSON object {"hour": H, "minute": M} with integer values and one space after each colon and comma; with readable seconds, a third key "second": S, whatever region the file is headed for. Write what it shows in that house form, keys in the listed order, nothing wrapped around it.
{"hour": 1, "minute": 36}
